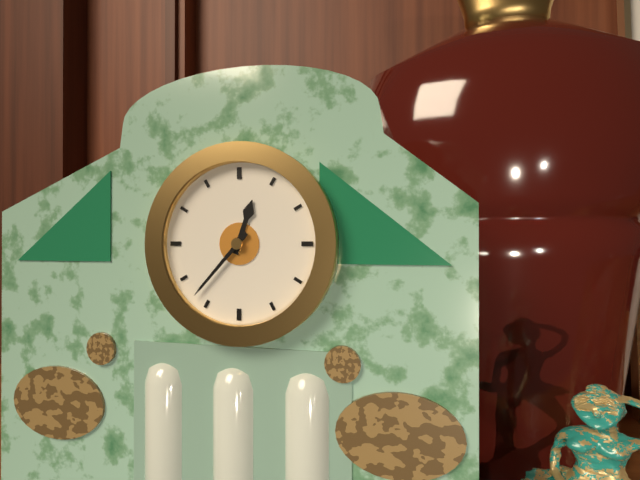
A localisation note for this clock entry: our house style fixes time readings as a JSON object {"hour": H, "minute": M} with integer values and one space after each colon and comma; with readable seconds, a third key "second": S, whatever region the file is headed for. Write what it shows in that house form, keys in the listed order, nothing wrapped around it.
{"hour": 12, "minute": 37}
